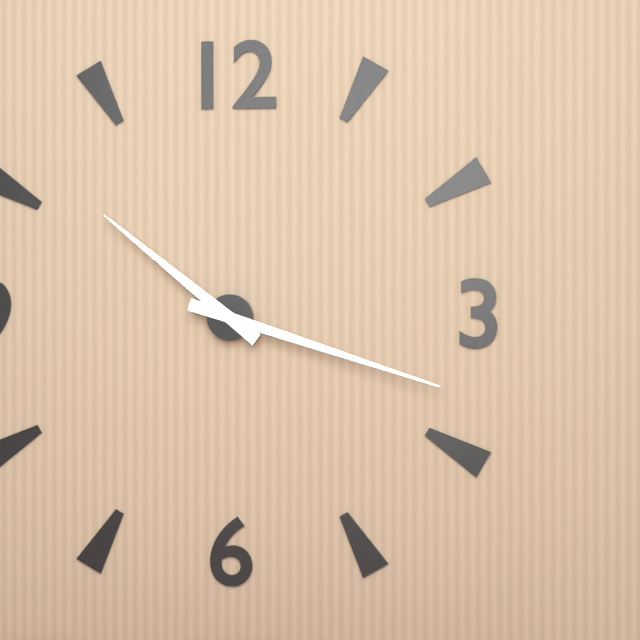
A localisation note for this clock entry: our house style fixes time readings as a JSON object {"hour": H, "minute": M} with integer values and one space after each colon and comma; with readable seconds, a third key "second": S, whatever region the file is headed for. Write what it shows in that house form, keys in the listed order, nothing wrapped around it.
{"hour": 10, "minute": 18}
